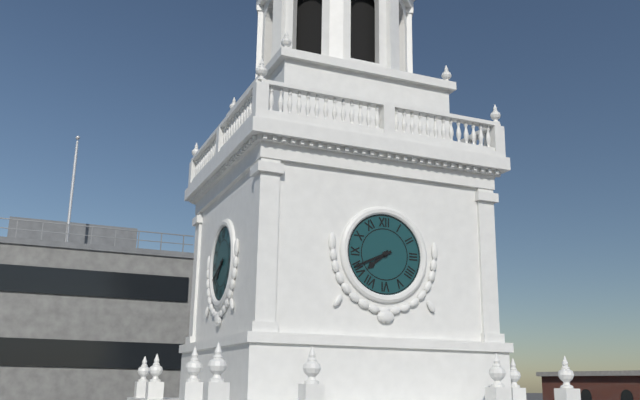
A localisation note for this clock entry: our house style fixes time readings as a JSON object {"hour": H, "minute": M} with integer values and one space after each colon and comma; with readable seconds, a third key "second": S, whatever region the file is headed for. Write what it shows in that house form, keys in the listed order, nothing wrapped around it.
{"hour": 7, "minute": 41}
